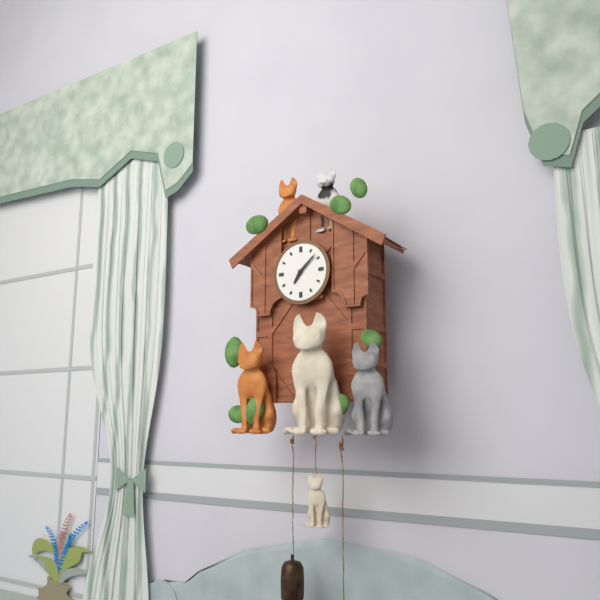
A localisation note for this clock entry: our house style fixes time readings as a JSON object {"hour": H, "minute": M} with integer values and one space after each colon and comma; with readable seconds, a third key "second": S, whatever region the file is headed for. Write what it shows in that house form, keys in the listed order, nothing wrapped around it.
{"hour": 7, "minute": 8}
